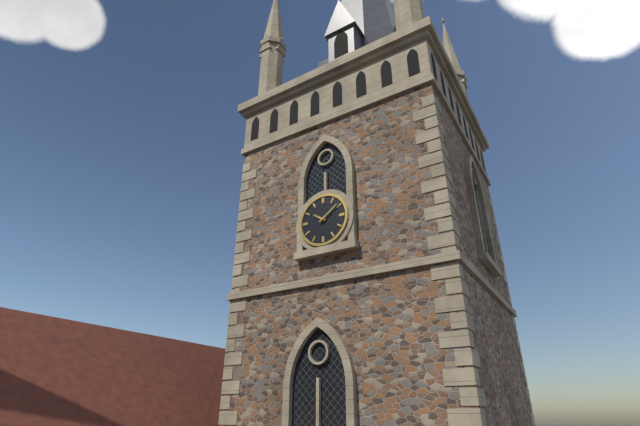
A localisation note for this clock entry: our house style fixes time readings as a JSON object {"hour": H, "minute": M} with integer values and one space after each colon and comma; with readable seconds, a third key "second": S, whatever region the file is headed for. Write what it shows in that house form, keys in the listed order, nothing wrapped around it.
{"hour": 10, "minute": 9}
